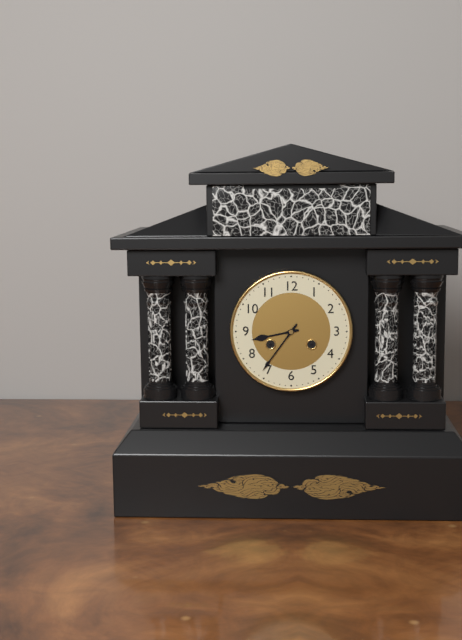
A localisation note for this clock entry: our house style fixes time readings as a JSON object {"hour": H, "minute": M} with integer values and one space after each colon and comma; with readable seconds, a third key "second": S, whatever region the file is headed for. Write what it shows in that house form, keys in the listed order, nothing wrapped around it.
{"hour": 8, "minute": 36}
